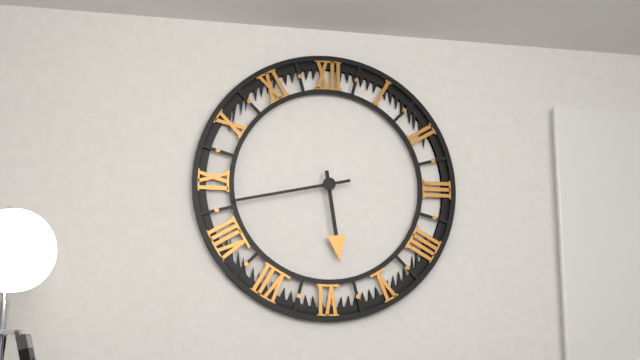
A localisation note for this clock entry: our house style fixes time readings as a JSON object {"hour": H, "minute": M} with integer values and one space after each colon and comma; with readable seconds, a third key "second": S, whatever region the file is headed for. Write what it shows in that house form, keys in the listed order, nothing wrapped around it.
{"hour": 5, "minute": 43}
